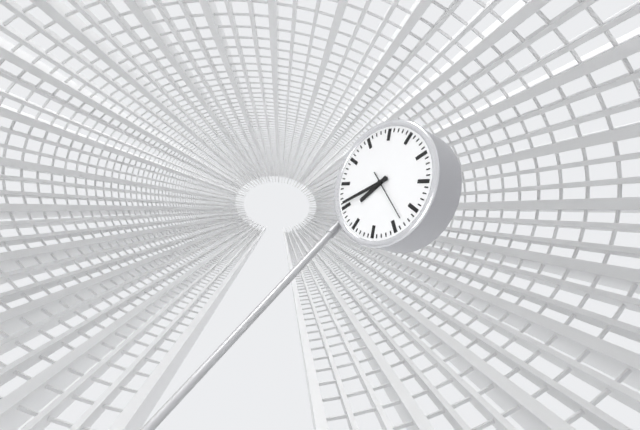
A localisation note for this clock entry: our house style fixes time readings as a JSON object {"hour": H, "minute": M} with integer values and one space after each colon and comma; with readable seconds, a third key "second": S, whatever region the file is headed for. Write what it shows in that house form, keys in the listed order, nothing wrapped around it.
{"hour": 7, "minute": 41, "second": 23}
